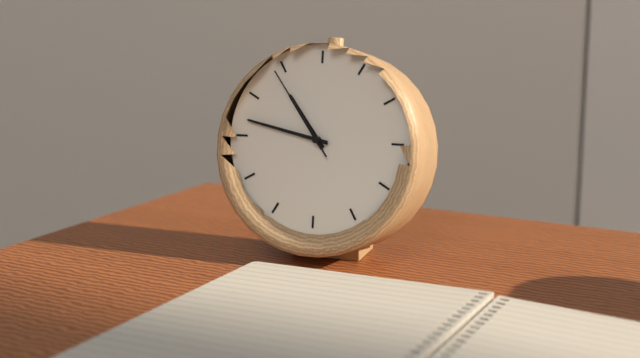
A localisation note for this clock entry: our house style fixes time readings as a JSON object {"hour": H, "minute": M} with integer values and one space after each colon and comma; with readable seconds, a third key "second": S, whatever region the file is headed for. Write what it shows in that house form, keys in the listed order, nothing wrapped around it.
{"hour": 10, "minute": 47, "second": 54}
